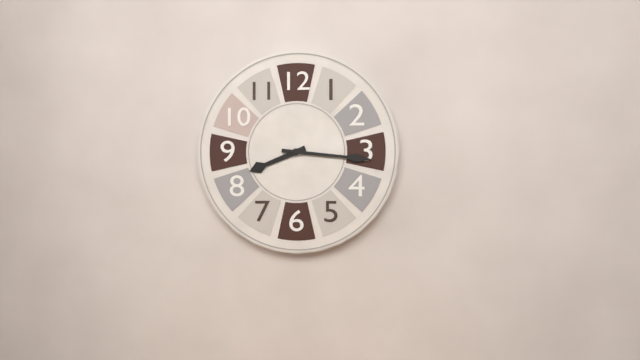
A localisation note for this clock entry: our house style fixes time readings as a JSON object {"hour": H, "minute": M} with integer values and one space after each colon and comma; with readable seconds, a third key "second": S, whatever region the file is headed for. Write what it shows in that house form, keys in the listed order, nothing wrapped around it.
{"hour": 8, "minute": 16}
